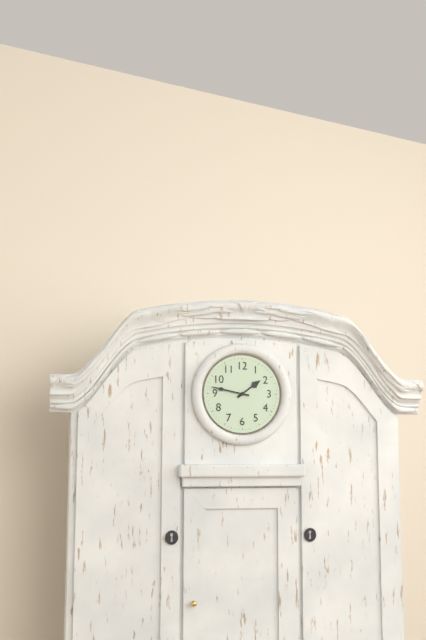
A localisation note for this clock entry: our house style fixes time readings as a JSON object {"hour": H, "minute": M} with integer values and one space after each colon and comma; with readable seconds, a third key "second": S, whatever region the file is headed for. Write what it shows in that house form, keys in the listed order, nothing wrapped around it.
{"hour": 1, "minute": 47}
